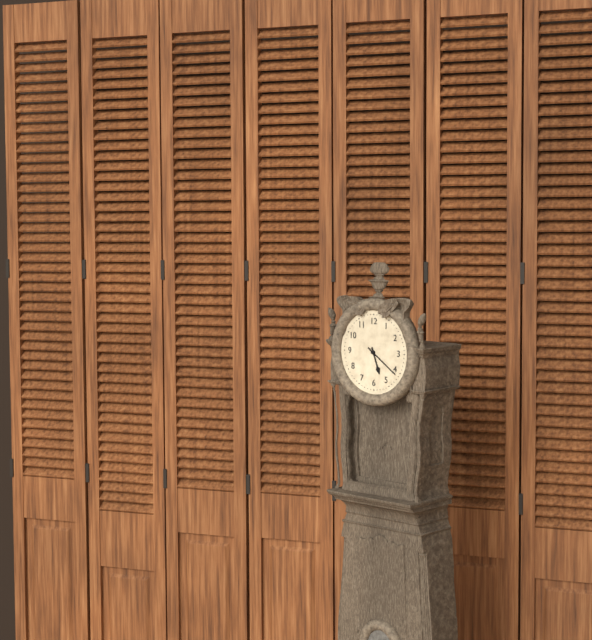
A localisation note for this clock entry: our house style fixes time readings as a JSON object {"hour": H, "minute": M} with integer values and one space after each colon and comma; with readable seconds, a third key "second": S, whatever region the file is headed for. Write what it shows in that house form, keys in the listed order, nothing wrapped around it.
{"hour": 5, "minute": 21}
